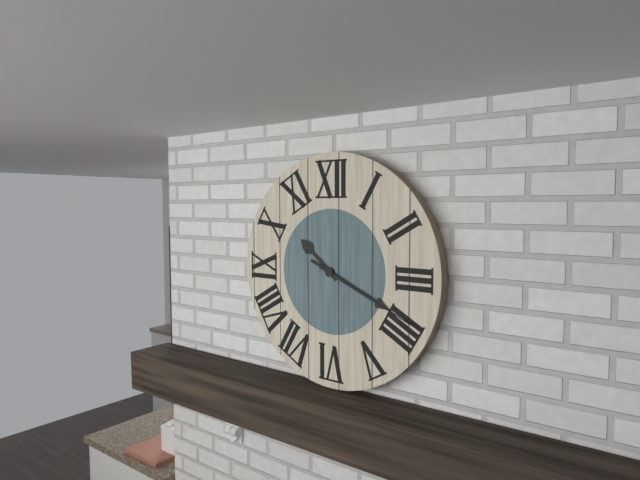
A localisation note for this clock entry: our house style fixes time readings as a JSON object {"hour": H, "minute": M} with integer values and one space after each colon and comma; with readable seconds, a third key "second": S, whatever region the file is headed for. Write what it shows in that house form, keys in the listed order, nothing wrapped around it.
{"hour": 10, "minute": 19, "second": 19}
